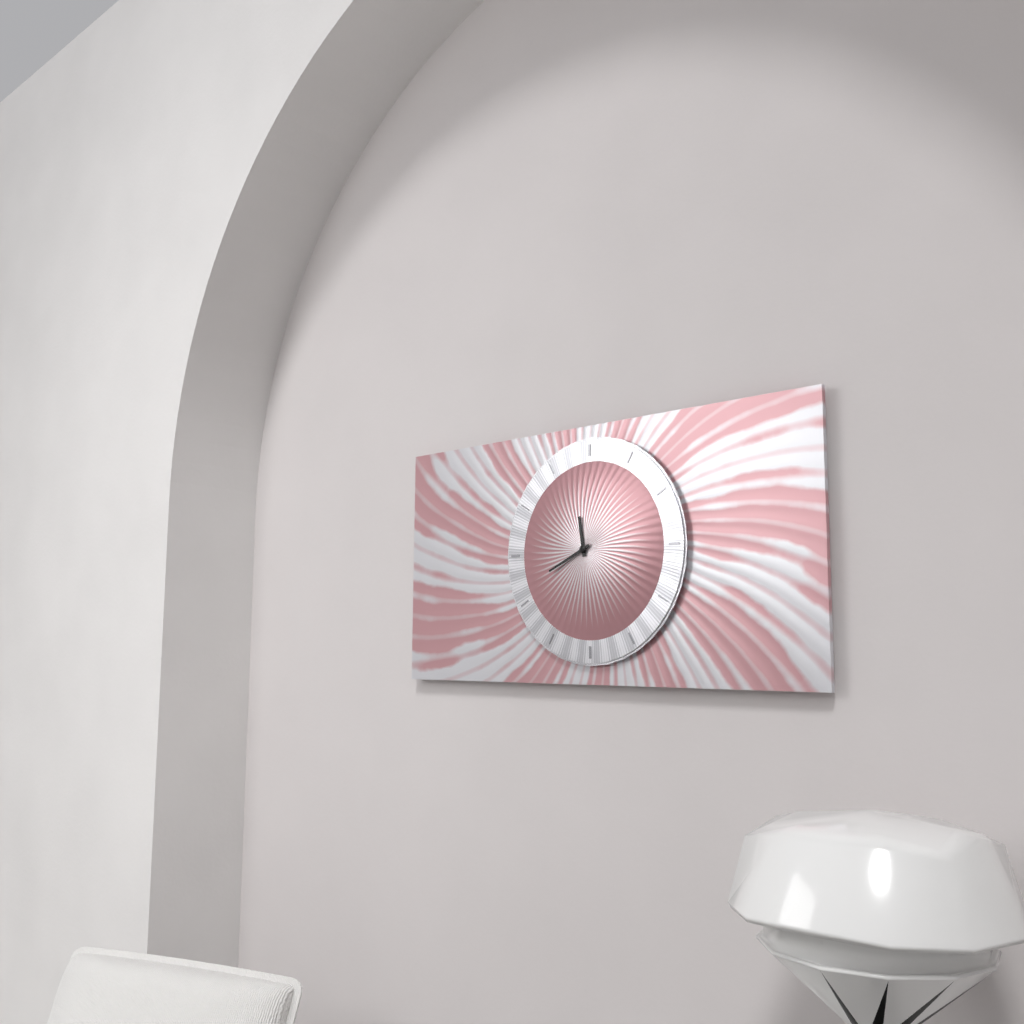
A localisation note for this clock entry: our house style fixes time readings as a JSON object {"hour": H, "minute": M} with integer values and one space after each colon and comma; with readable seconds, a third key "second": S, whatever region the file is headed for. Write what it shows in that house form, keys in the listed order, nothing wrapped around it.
{"hour": 11, "minute": 41}
